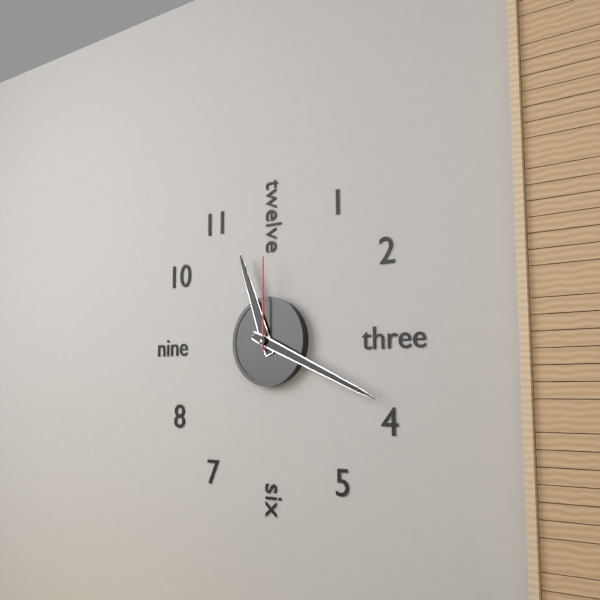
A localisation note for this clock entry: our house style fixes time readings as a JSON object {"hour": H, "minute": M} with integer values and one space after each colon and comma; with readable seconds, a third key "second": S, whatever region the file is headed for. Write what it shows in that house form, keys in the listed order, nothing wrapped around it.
{"hour": 11, "minute": 19, "second": 0}
